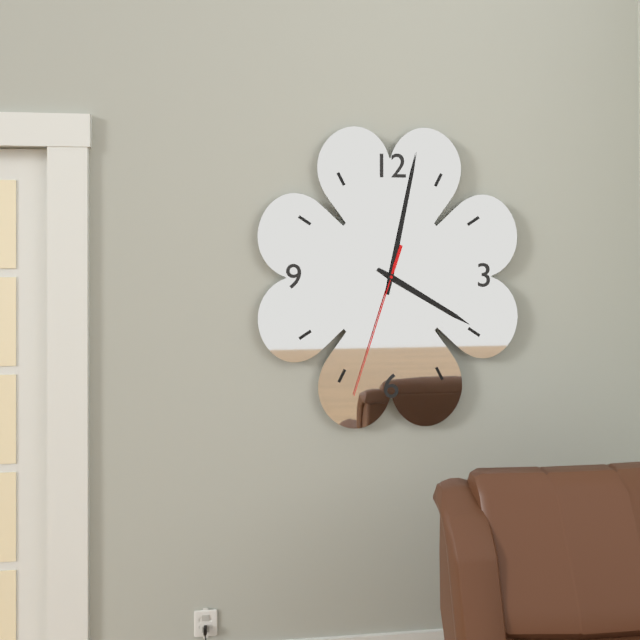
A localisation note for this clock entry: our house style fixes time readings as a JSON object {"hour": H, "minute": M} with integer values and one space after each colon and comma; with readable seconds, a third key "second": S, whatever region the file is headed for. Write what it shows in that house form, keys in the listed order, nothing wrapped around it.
{"hour": 4, "minute": 2, "second": 33}
